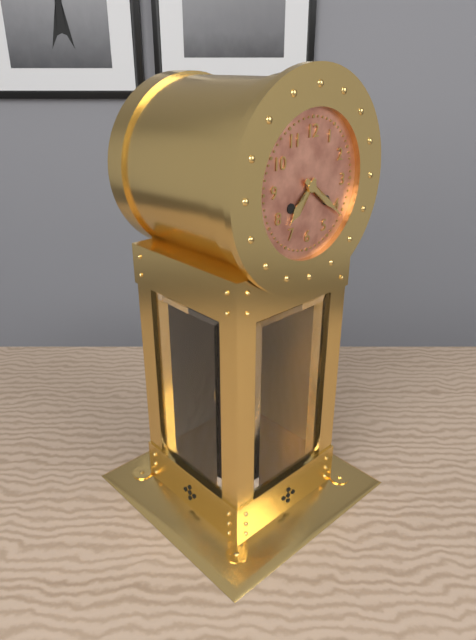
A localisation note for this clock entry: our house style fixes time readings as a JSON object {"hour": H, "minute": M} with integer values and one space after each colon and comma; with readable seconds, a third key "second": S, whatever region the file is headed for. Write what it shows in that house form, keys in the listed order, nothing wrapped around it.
{"hour": 7, "minute": 21}
